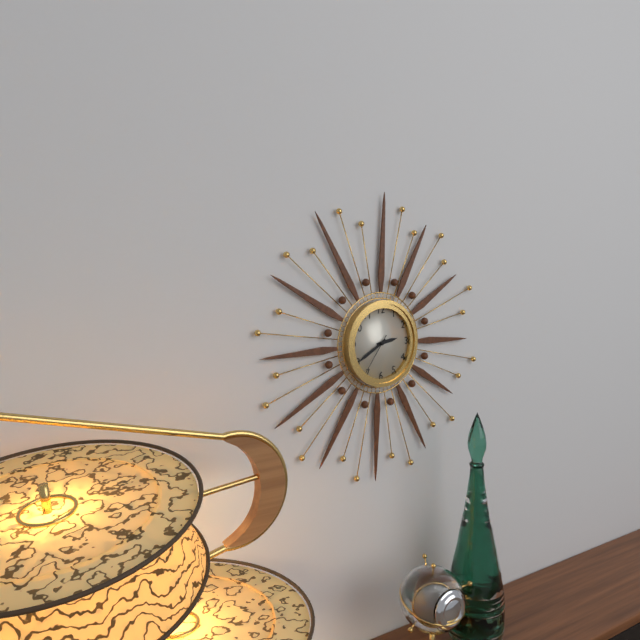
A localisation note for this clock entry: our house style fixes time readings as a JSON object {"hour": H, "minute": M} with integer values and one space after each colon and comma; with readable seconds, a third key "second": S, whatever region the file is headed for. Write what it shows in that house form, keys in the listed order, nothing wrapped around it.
{"hour": 2, "minute": 40}
